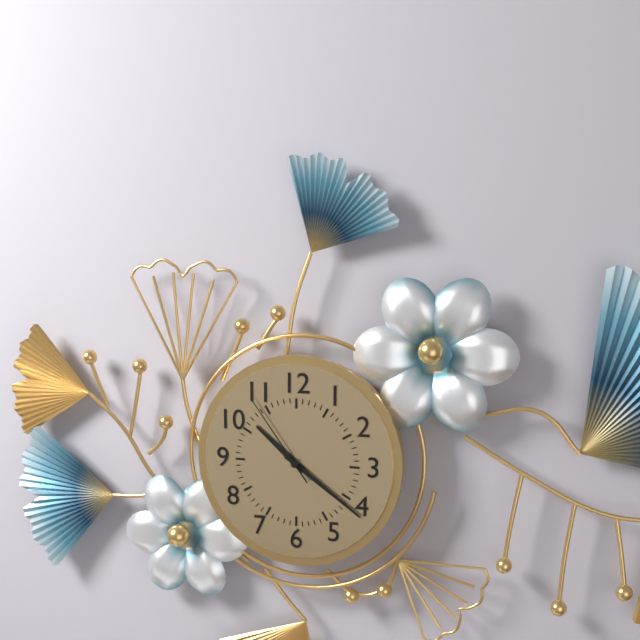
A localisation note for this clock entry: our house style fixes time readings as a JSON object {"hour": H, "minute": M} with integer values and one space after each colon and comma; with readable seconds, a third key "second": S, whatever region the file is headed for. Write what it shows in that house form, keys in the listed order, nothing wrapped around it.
{"hour": 10, "minute": 21, "second": 54}
